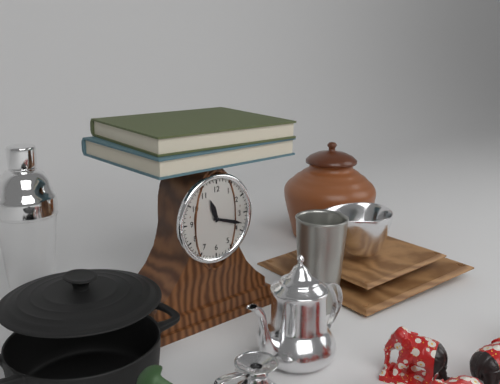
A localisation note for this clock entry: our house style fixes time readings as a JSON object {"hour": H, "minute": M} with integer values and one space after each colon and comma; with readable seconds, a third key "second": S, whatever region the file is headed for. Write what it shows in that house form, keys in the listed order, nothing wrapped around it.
{"hour": 11, "minute": 18}
